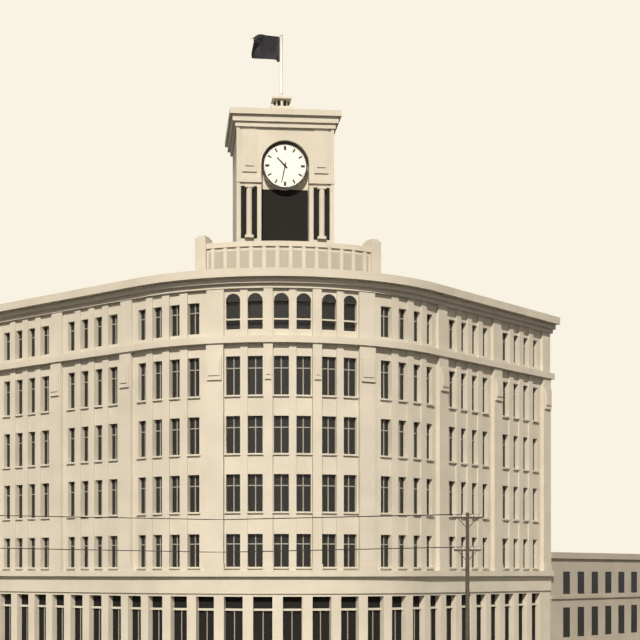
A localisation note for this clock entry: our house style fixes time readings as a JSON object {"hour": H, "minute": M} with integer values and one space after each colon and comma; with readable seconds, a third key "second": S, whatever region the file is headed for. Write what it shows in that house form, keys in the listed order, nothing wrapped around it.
{"hour": 10, "minute": 32}
